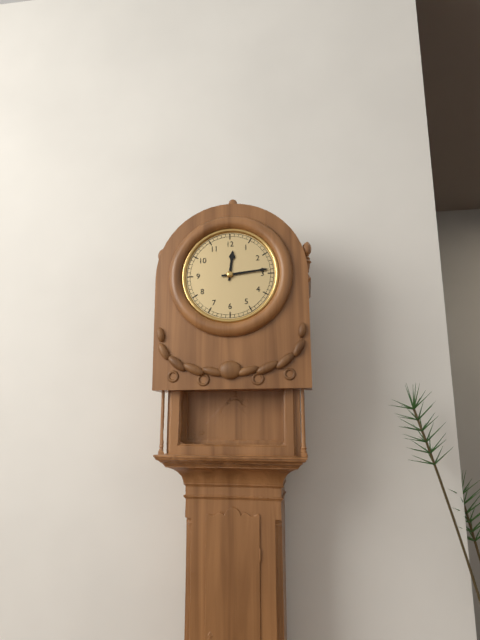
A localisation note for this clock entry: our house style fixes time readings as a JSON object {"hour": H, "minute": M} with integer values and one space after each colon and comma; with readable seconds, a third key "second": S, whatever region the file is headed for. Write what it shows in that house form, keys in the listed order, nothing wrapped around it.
{"hour": 12, "minute": 14}
